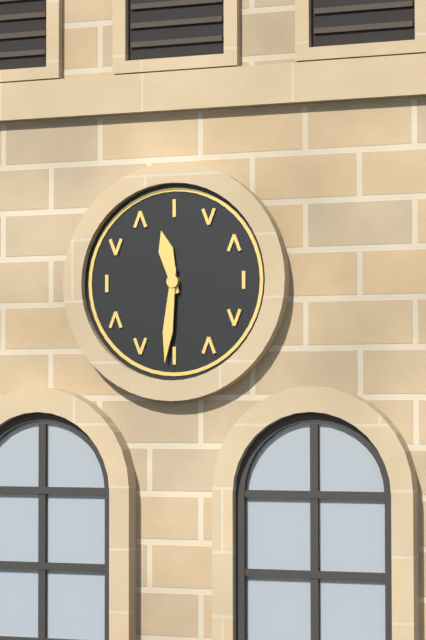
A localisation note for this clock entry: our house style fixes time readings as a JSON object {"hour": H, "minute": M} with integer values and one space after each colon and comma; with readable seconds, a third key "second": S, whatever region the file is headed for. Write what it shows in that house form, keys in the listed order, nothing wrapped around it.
{"hour": 11, "minute": 31}
